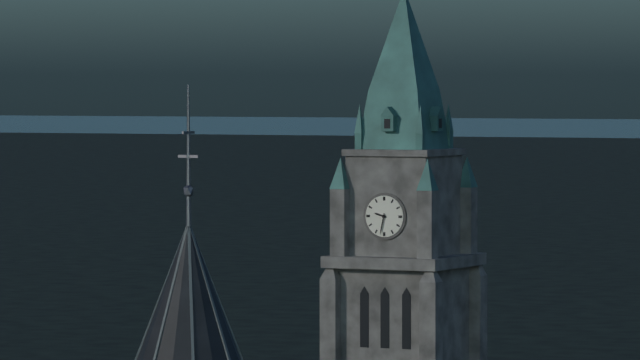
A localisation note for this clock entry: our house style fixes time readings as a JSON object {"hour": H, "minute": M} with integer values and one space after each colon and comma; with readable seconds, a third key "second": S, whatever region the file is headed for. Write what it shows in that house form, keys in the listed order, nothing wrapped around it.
{"hour": 9, "minute": 32}
